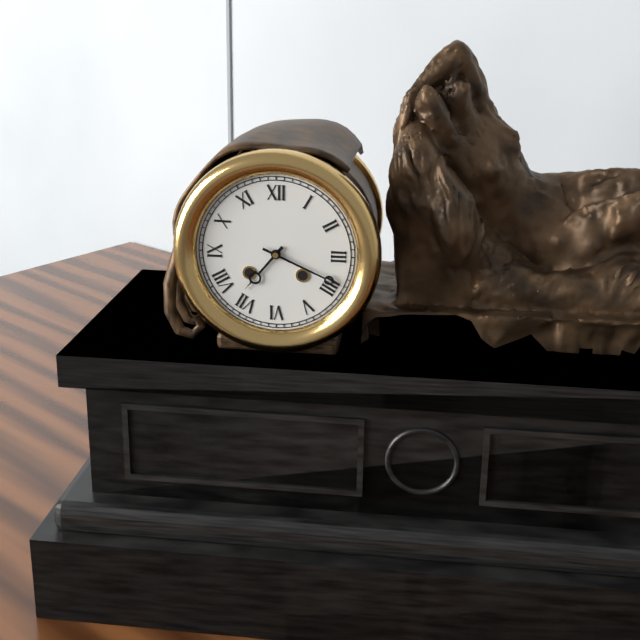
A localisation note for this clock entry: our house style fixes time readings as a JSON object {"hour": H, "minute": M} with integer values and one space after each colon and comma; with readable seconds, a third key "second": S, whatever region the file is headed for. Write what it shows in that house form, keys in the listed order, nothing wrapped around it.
{"hour": 7, "minute": 19}
